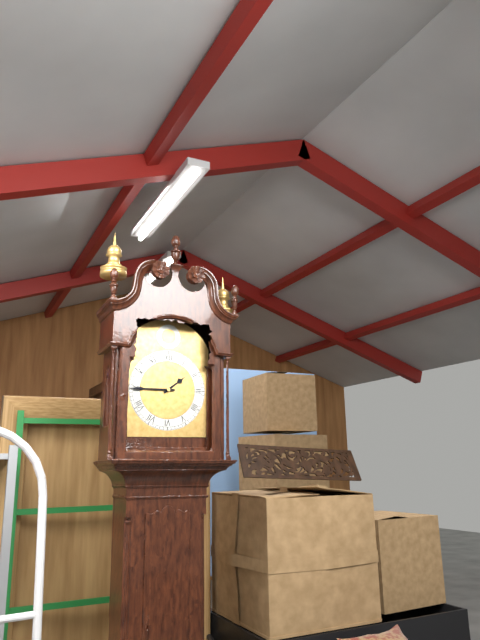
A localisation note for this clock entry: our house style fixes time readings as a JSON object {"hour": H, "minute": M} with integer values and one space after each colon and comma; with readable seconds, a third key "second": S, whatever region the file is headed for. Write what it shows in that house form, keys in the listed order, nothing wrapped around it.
{"hour": 1, "minute": 45}
